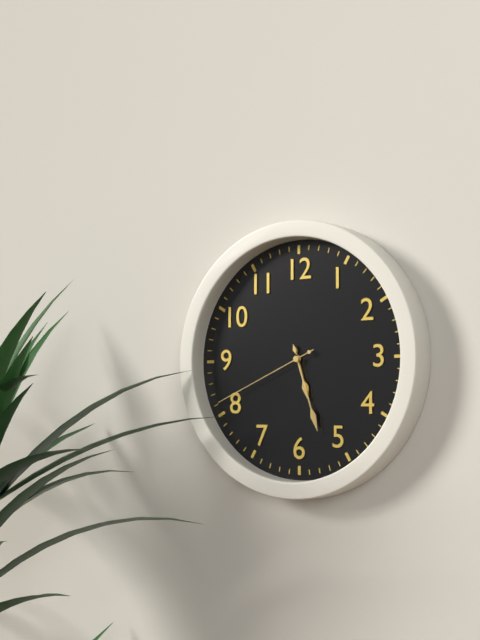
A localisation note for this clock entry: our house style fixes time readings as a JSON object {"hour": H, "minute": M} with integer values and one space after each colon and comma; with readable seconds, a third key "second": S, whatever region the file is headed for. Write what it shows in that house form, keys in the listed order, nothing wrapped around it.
{"hour": 5, "minute": 27, "second": 41}
